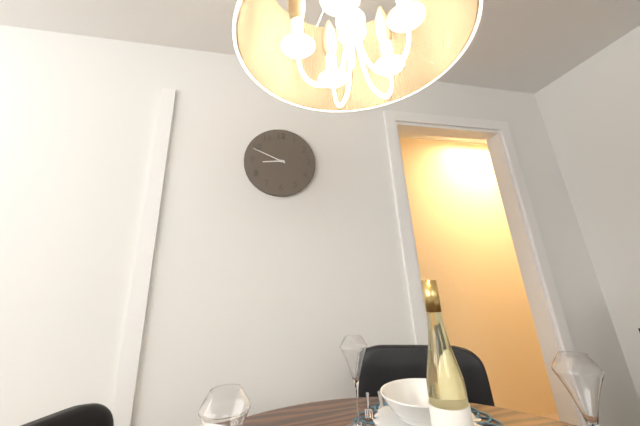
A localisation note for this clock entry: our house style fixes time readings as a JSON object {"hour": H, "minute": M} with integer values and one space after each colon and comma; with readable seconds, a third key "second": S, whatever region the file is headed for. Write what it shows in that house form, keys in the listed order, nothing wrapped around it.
{"hour": 8, "minute": 49}
